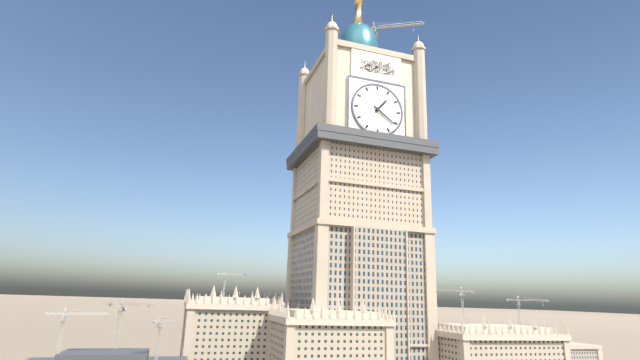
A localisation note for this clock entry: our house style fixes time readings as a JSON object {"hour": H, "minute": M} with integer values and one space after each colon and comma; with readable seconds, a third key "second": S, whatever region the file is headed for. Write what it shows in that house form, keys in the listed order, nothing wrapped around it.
{"hour": 1, "minute": 21}
